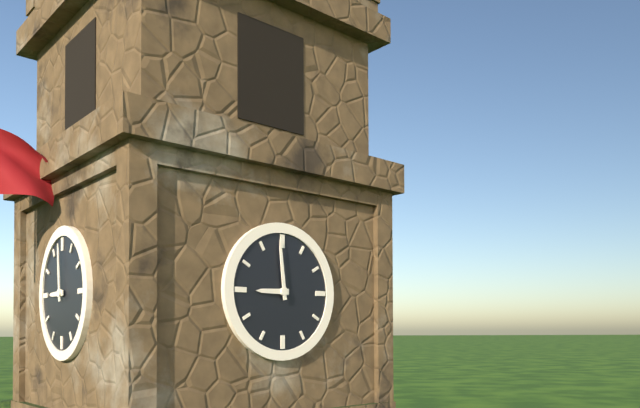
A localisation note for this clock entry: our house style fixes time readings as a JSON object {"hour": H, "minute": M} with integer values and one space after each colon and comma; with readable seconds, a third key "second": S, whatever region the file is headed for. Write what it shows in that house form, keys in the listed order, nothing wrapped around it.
{"hour": 8, "minute": 59}
